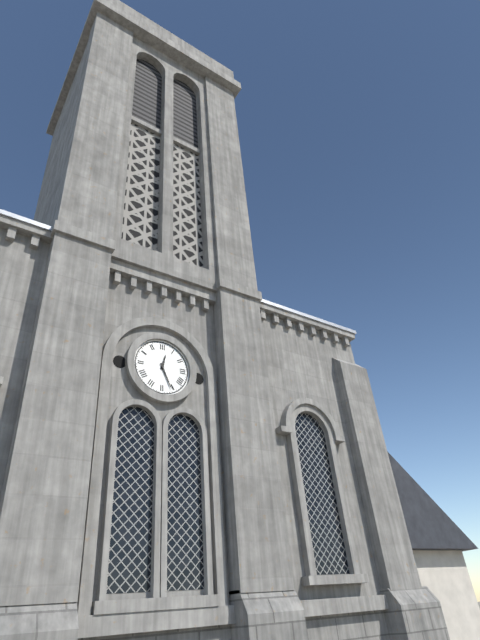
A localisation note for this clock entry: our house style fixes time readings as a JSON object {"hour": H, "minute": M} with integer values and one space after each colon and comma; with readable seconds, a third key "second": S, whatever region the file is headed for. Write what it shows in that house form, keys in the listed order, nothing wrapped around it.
{"hour": 12, "minute": 26}
